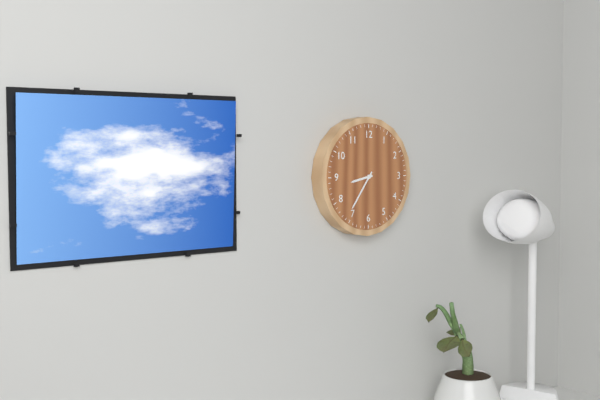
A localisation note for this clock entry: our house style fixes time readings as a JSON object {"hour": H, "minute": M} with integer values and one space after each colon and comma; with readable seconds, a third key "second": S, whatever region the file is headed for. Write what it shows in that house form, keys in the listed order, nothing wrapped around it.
{"hour": 8, "minute": 36}
